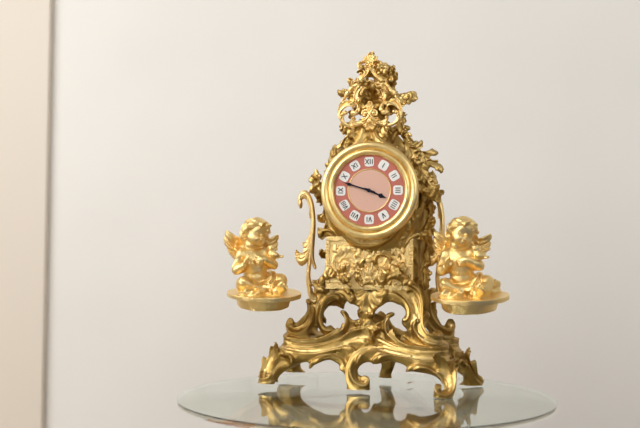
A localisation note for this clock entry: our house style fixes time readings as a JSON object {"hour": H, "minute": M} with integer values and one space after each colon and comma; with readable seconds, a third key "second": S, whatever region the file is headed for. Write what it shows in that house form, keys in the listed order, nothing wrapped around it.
{"hour": 3, "minute": 48}
